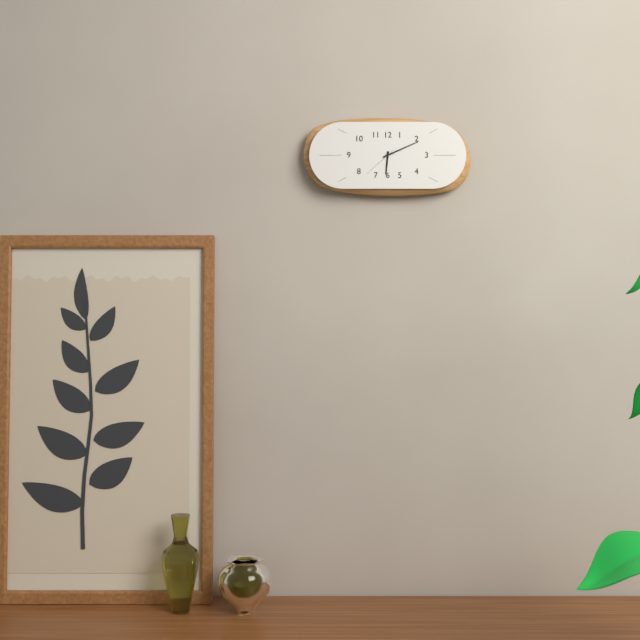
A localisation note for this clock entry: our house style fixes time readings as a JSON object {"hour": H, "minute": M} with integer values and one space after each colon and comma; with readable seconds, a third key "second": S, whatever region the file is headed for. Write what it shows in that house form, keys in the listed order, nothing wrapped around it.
{"hour": 6, "minute": 11}
